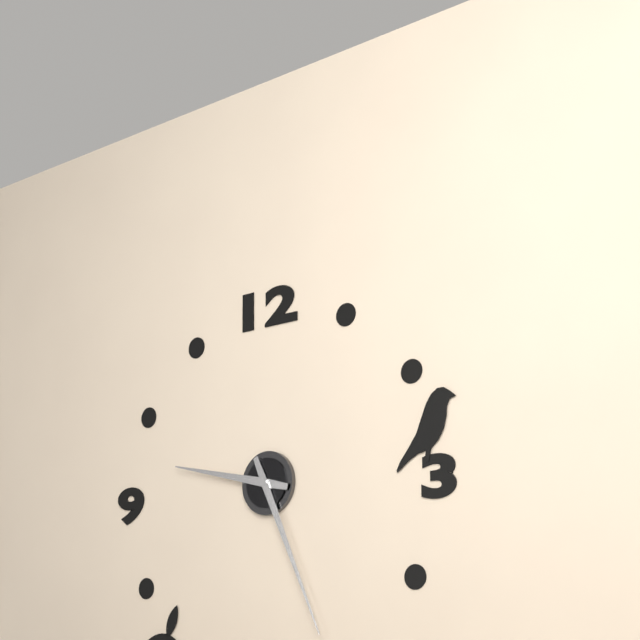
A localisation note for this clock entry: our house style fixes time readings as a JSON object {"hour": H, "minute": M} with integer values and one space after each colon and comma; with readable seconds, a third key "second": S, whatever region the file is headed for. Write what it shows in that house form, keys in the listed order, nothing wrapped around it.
{"hour": 9, "minute": 26}
